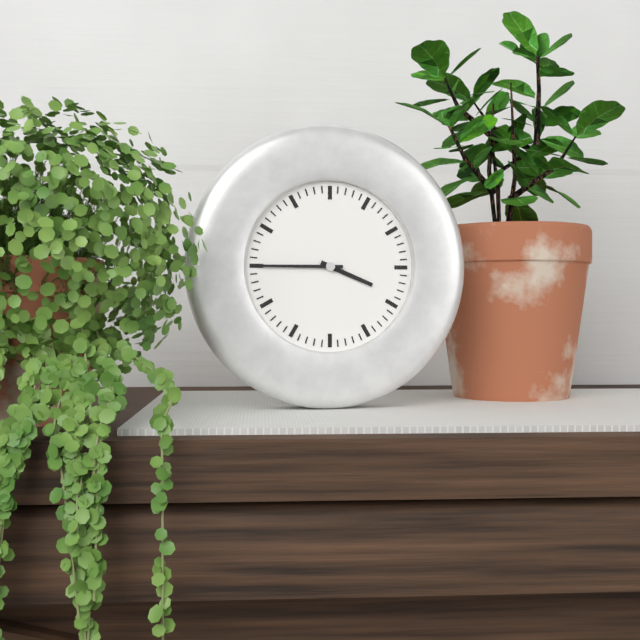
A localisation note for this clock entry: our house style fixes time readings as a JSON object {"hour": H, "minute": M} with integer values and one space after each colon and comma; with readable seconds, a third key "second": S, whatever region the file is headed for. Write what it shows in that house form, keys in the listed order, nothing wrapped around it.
{"hour": 3, "minute": 45}
